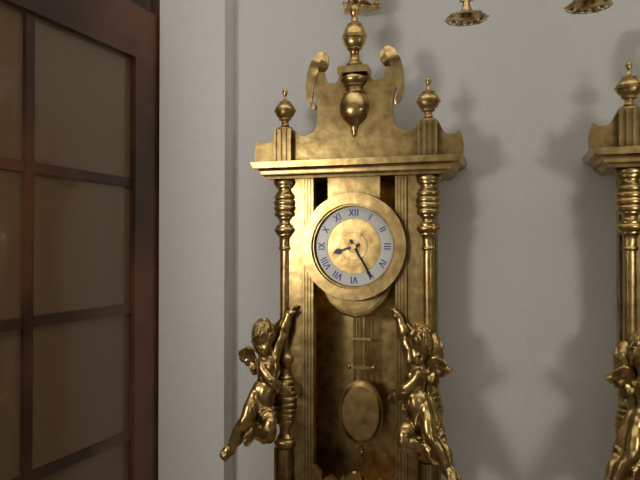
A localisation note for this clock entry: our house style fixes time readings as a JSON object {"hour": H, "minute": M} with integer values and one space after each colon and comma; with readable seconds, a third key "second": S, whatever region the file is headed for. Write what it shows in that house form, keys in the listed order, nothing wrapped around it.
{"hour": 8, "minute": 25}
